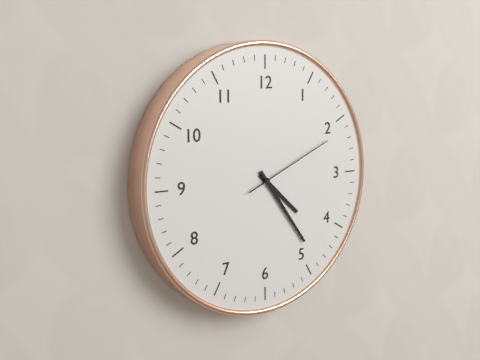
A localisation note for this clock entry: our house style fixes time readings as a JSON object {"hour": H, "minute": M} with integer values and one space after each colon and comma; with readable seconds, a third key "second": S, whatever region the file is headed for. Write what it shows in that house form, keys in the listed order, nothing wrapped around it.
{"hour": 4, "minute": 24, "second": 11}
